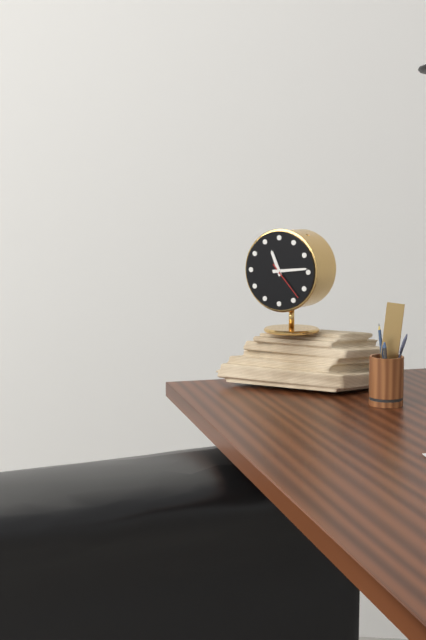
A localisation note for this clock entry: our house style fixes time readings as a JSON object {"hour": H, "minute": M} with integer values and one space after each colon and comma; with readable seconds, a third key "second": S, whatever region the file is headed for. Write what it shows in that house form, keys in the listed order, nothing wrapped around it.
{"hour": 11, "minute": 14}
